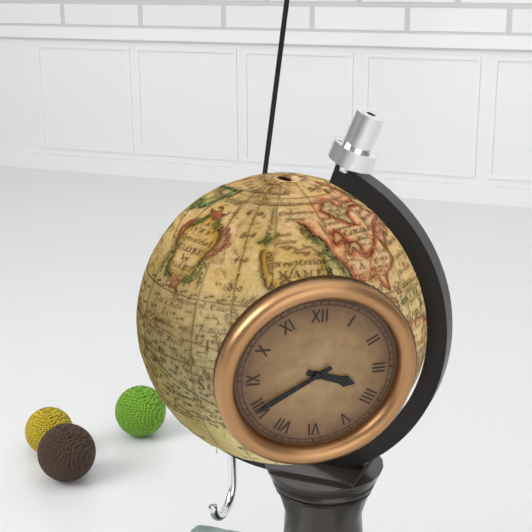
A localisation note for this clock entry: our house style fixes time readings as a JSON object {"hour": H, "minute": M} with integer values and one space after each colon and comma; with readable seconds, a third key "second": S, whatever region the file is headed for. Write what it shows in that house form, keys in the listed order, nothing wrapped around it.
{"hour": 3, "minute": 40}
